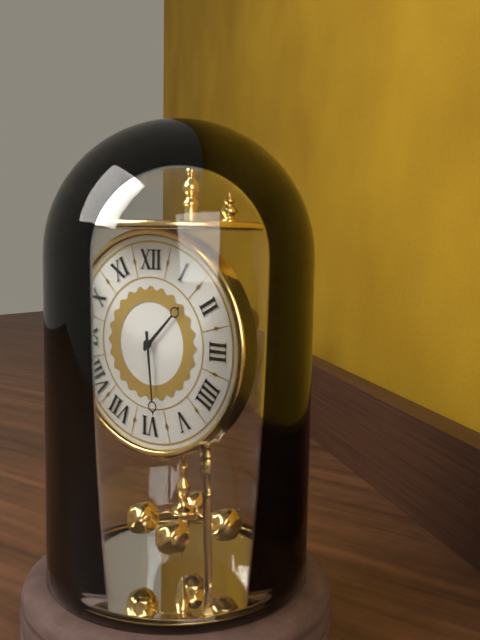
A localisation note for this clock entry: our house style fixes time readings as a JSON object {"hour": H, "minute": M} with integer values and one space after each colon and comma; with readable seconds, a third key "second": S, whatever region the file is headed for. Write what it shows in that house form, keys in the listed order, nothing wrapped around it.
{"hour": 1, "minute": 29}
